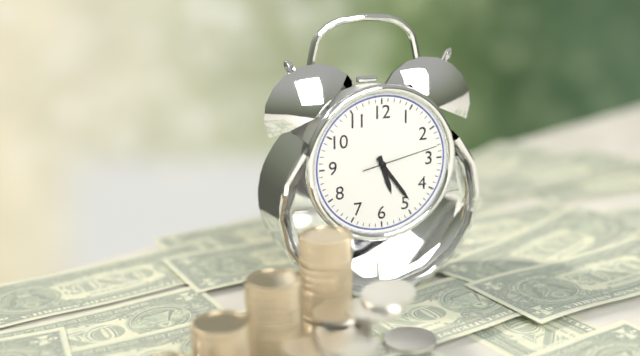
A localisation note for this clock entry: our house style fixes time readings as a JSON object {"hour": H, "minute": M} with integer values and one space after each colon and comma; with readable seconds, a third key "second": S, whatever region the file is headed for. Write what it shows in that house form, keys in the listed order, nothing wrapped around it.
{"hour": 5, "minute": 24, "second": 13}
